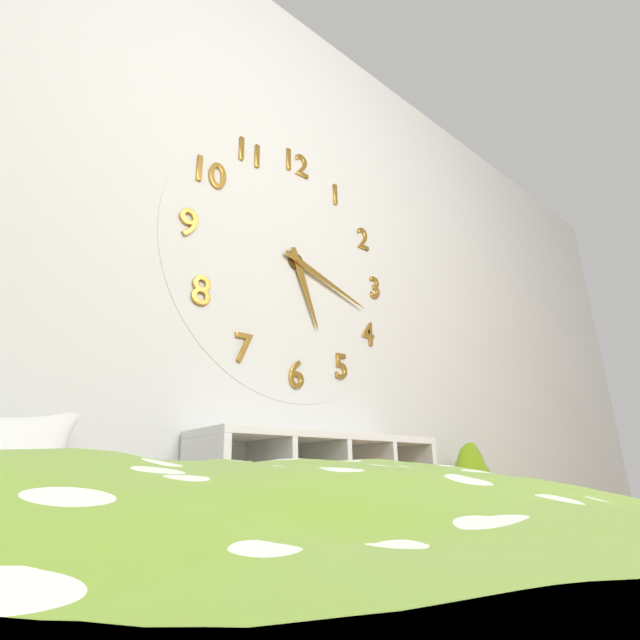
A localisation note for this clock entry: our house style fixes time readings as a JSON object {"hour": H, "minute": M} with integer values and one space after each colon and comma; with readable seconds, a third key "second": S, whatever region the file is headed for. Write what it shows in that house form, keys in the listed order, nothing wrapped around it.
{"hour": 5, "minute": 18}
